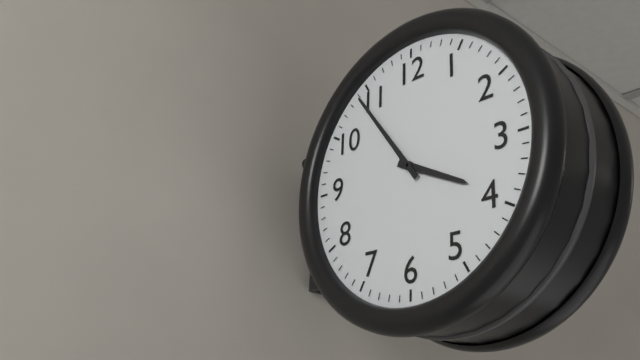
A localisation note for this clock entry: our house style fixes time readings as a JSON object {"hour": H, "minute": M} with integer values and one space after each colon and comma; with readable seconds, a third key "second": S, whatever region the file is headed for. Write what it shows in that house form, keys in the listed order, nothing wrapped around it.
{"hour": 3, "minute": 54}
